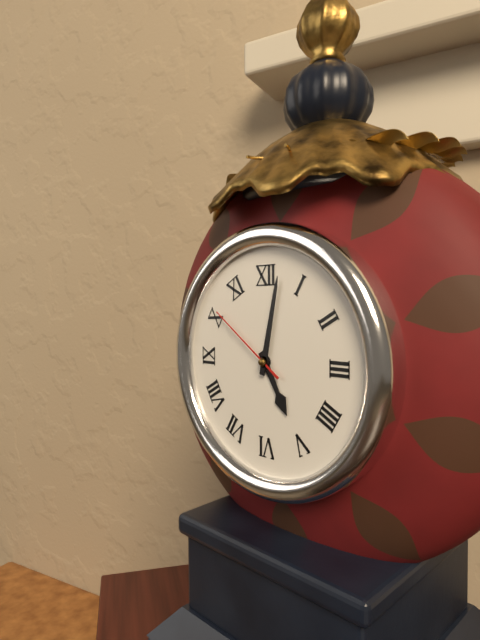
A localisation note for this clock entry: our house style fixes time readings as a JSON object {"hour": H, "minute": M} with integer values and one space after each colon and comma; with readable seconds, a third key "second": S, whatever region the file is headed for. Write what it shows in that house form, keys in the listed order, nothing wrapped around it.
{"hour": 5, "minute": 2, "second": 51}
